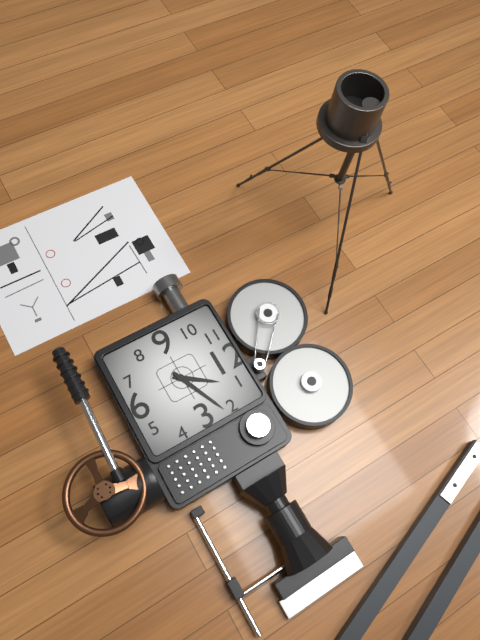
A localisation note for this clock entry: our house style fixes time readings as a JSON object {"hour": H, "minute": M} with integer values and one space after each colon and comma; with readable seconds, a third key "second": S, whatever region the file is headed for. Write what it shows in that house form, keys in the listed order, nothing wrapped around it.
{"hour": 1, "minute": 11}
